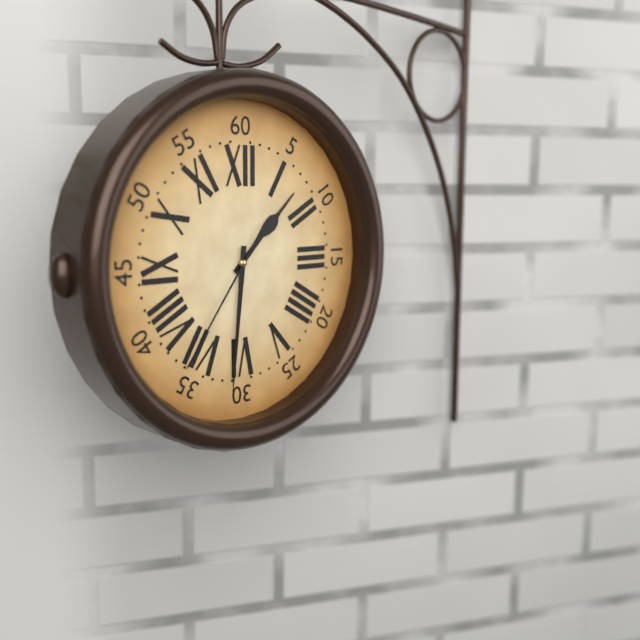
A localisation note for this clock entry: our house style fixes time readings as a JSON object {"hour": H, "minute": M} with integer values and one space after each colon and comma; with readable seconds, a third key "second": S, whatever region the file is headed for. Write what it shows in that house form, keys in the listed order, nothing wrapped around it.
{"hour": 1, "minute": 31, "second": 36}
